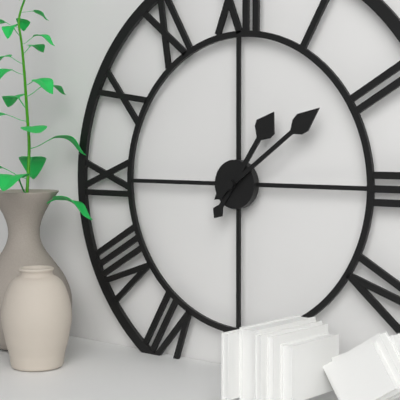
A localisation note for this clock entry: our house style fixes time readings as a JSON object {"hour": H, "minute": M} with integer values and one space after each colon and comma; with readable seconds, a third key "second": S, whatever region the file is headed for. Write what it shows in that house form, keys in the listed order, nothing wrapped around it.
{"hour": 1, "minute": 9}
